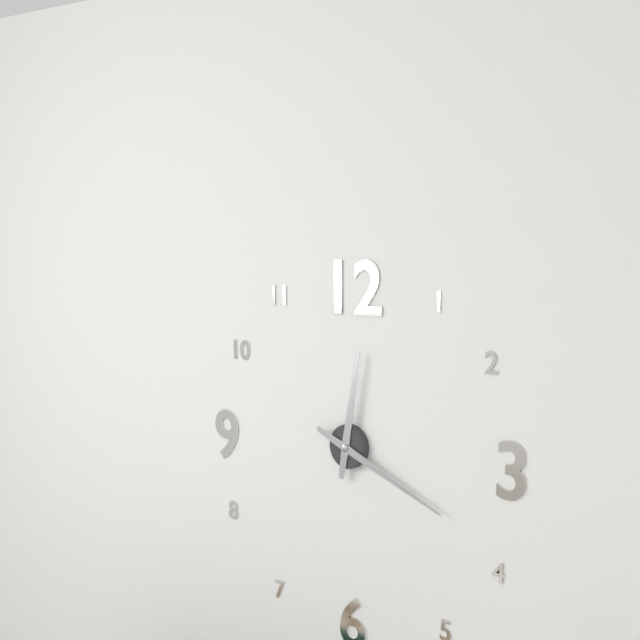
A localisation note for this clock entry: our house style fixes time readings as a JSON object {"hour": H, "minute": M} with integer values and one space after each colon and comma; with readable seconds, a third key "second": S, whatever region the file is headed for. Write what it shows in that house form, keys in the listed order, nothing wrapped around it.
{"hour": 12, "minute": 19}
